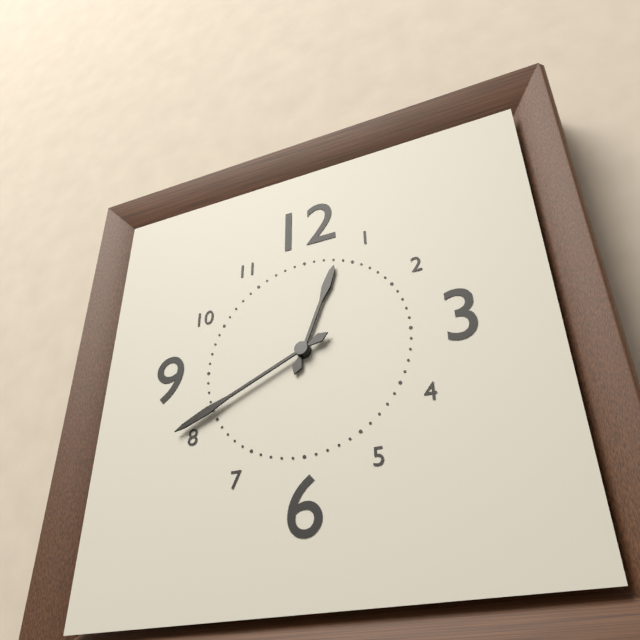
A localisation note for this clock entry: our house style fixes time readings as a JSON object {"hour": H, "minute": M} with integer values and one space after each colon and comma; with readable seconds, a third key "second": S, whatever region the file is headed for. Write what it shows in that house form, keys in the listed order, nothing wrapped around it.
{"hour": 12, "minute": 41}
